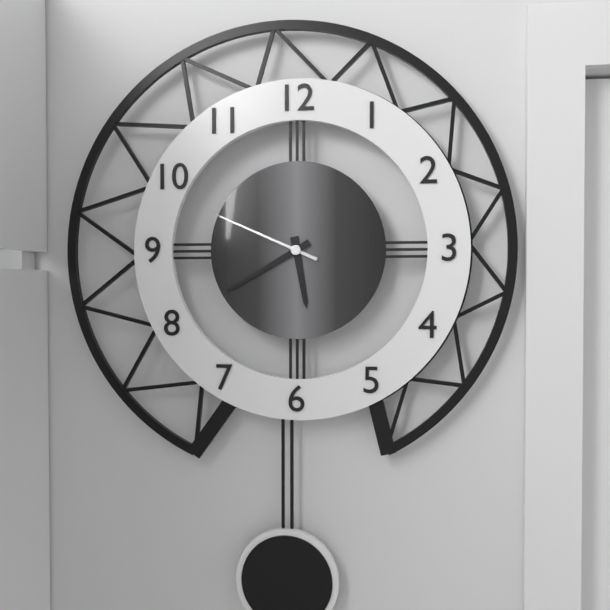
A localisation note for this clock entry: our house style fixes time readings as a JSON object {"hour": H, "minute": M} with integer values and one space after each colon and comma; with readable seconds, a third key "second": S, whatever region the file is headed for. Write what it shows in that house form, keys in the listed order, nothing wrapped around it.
{"hour": 5, "minute": 40, "second": 49}
